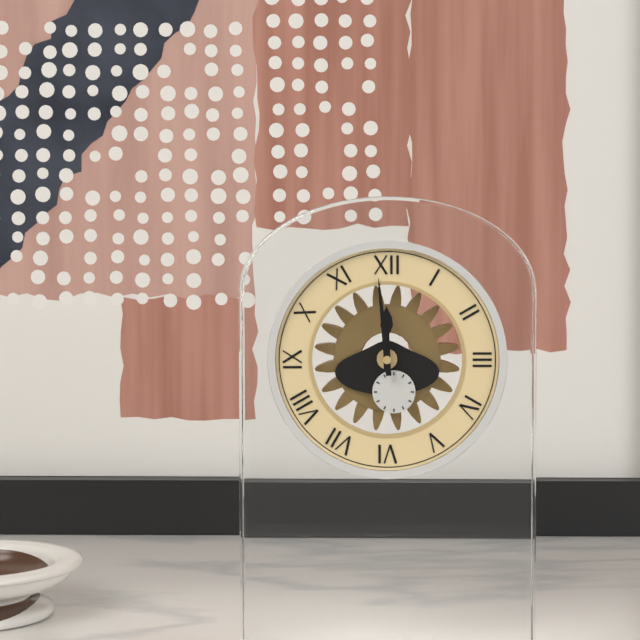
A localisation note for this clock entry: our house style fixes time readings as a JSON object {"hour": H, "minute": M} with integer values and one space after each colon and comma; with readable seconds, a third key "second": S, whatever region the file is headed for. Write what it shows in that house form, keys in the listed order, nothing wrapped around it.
{"hour": 11, "minute": 59}
